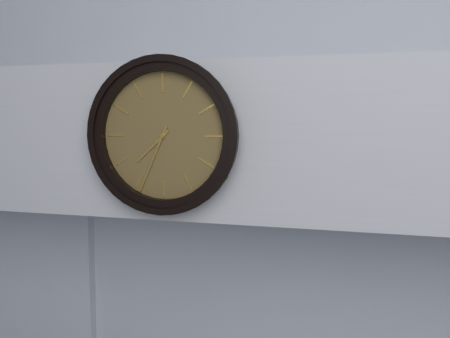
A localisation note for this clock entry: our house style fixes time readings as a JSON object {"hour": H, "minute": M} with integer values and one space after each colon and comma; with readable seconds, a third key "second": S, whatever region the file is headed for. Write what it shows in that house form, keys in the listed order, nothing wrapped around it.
{"hour": 7, "minute": 34}
